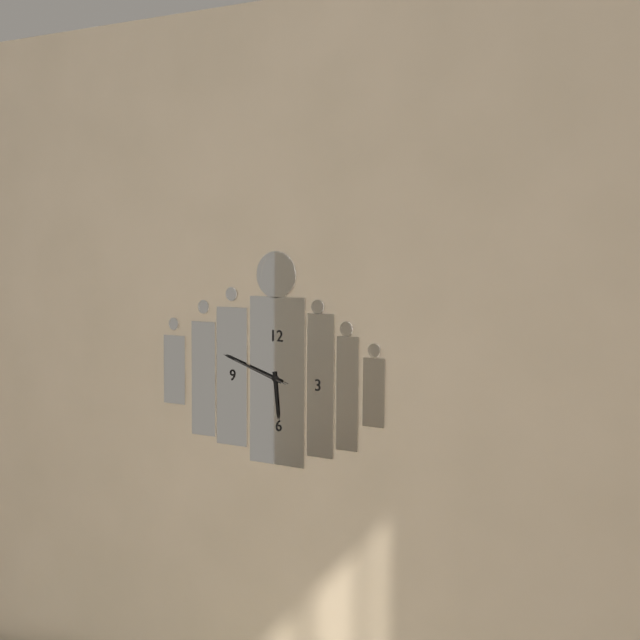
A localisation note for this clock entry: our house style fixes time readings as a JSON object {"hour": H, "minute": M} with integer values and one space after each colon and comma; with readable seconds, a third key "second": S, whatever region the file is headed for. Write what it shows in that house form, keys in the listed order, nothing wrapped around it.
{"hour": 5, "minute": 48, "second": 48}
